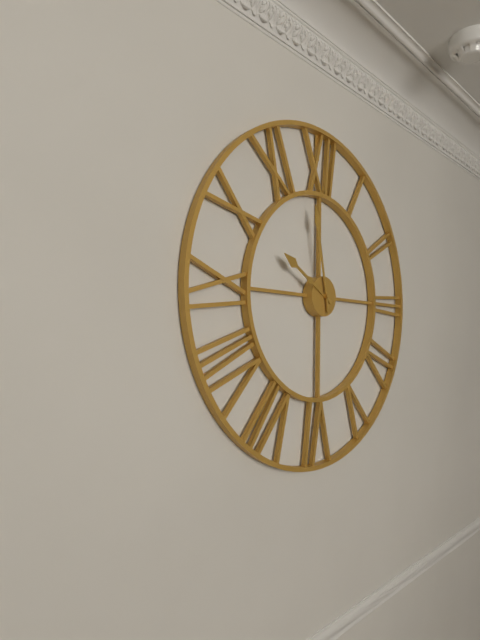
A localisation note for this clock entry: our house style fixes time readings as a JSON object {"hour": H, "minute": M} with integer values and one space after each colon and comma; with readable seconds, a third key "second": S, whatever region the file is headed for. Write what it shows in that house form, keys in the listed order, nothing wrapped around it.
{"hour": 9, "minute": 58}
